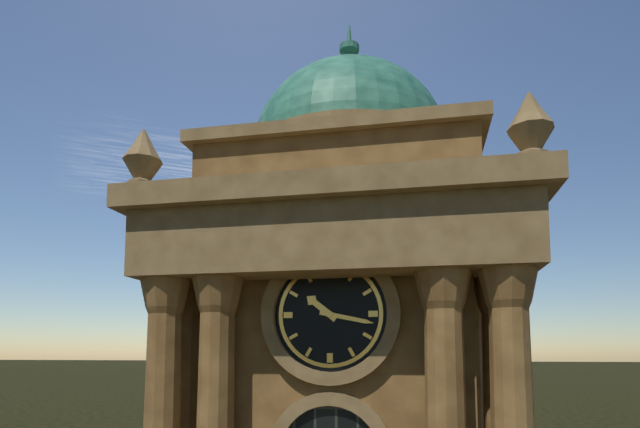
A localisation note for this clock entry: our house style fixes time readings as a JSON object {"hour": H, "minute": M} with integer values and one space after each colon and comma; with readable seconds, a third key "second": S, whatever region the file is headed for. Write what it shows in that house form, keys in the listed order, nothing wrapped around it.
{"hour": 10, "minute": 17}
